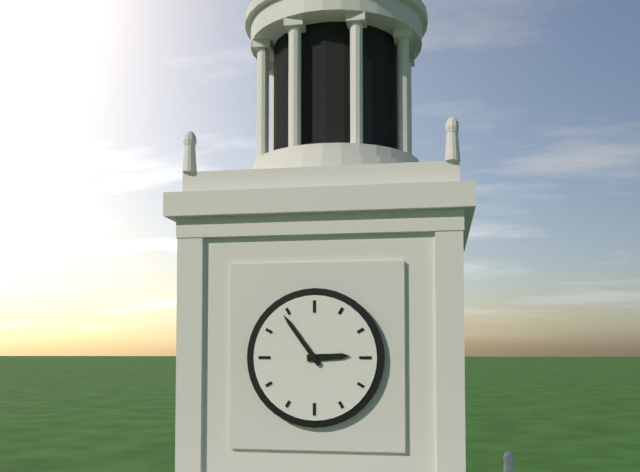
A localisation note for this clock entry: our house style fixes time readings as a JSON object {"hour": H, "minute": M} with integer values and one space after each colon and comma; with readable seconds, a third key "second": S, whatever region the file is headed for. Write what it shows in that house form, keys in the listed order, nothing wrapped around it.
{"hour": 2, "minute": 54}
